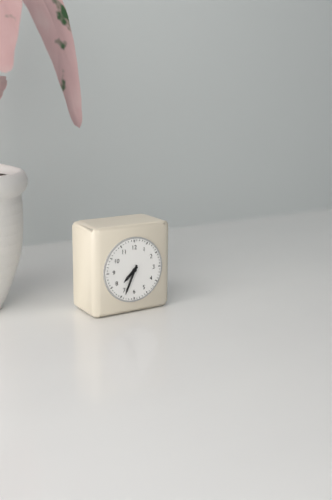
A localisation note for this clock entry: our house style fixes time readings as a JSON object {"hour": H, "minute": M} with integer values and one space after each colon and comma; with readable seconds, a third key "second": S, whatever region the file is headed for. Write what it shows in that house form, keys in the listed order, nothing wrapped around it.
{"hour": 7, "minute": 34}
